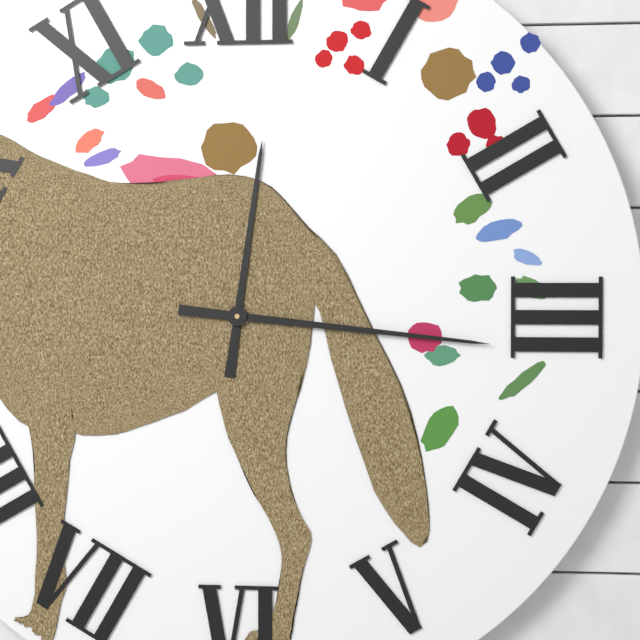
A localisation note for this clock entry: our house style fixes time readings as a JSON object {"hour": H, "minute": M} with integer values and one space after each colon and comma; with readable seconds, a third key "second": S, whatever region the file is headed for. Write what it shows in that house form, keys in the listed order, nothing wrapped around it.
{"hour": 12, "minute": 16}
